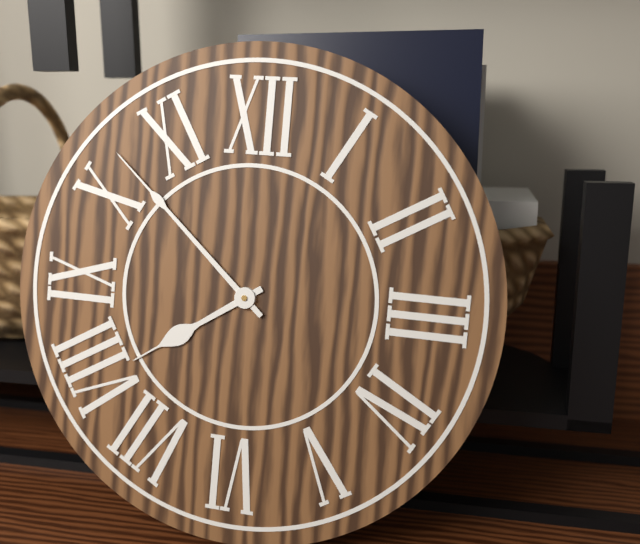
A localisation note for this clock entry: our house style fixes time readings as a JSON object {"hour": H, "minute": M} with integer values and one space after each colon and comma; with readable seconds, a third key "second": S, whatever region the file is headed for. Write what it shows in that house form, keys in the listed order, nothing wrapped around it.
{"hour": 7, "minute": 52}
